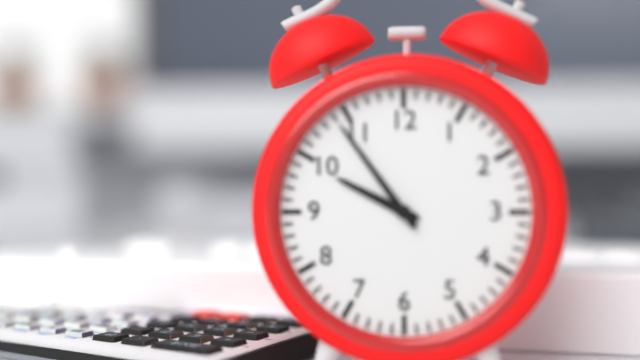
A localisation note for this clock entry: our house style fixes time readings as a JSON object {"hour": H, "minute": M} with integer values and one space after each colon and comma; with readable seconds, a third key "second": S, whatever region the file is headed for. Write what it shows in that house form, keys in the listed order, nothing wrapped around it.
{"hour": 9, "minute": 54}
